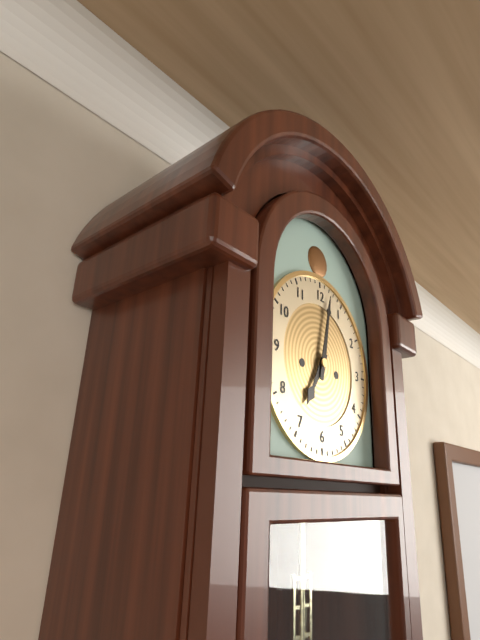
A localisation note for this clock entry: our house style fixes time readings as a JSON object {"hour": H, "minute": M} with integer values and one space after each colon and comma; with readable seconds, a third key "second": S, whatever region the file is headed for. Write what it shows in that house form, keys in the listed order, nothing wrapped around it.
{"hour": 7, "minute": 2}
